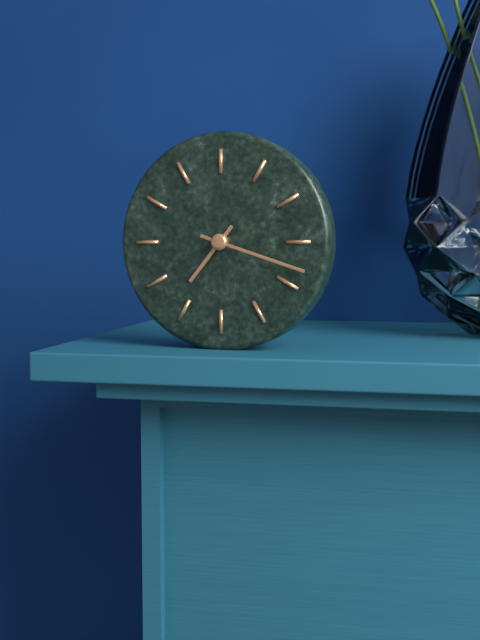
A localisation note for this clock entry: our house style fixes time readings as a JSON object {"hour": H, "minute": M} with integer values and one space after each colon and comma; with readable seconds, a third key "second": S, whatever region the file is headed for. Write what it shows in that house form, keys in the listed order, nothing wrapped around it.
{"hour": 7, "minute": 18}
